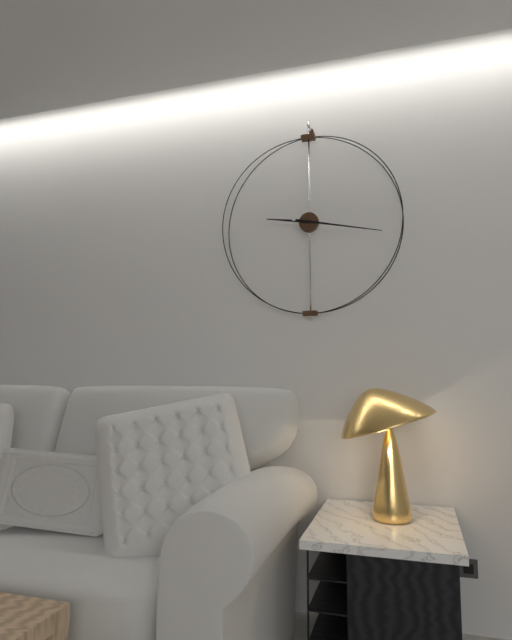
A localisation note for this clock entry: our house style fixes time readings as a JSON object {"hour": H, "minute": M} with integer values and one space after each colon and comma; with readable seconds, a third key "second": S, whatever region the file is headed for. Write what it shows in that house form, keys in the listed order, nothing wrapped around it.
{"hour": 9, "minute": 17}
